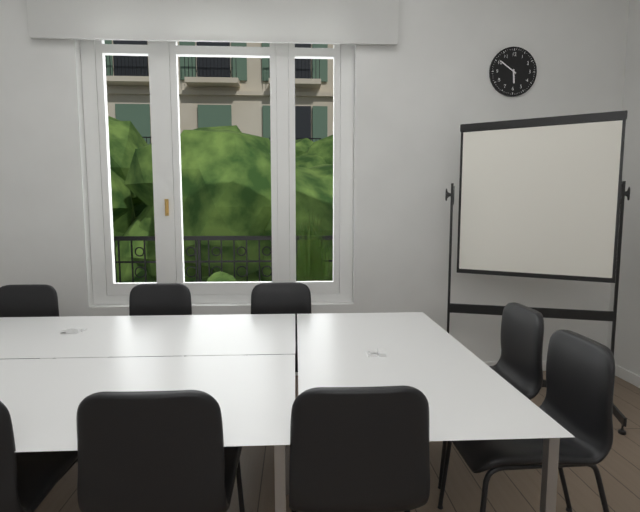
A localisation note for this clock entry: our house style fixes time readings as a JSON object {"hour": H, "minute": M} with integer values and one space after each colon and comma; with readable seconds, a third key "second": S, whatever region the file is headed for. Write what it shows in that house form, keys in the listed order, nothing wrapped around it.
{"hour": 5, "minute": 51}
